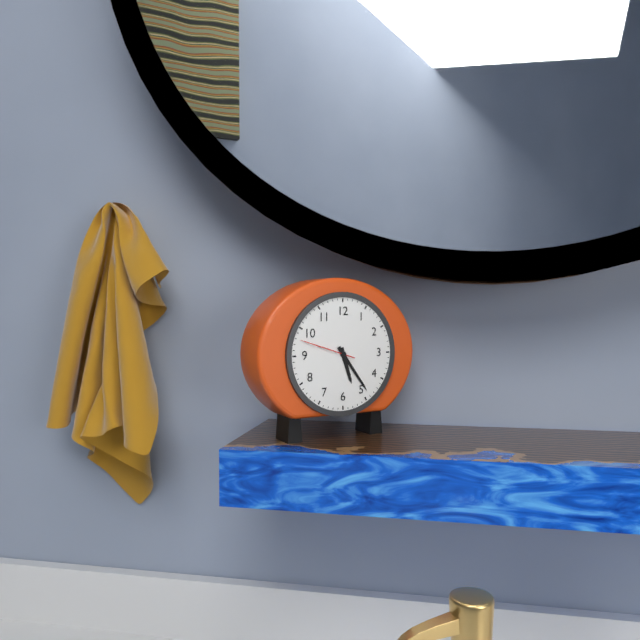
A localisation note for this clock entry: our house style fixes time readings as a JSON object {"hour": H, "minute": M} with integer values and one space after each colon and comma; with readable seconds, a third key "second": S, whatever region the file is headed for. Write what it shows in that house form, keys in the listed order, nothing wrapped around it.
{"hour": 5, "minute": 24, "second": 48}
